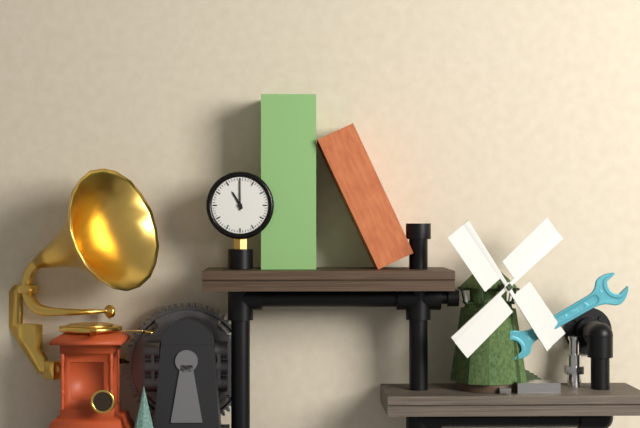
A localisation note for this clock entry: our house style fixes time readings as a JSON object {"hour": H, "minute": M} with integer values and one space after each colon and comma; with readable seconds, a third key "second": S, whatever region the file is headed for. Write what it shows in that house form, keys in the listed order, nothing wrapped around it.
{"hour": 11, "minute": 0}
